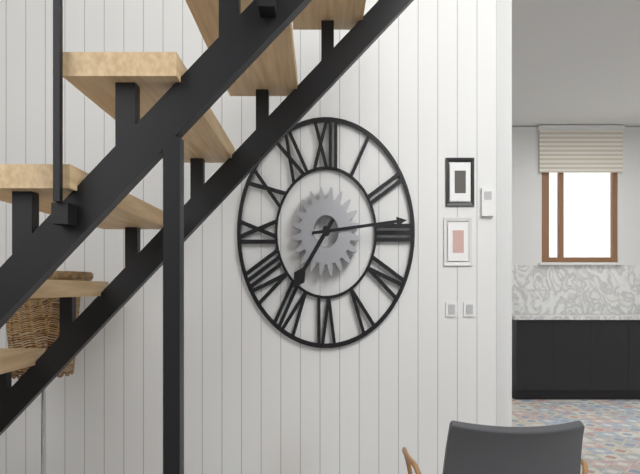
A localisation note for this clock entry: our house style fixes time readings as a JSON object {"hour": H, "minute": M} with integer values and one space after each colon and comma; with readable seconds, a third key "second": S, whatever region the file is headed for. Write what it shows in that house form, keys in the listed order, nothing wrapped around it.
{"hour": 7, "minute": 14}
